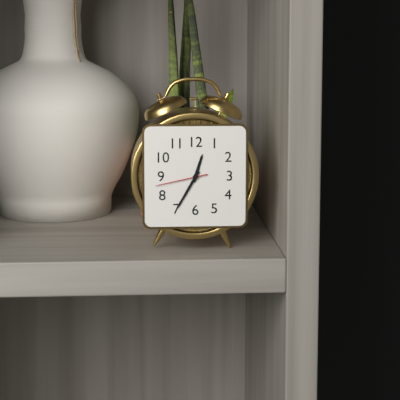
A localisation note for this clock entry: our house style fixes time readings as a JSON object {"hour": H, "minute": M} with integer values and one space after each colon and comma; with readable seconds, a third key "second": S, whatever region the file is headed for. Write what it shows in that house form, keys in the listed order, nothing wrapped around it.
{"hour": 12, "minute": 35, "second": 43}
